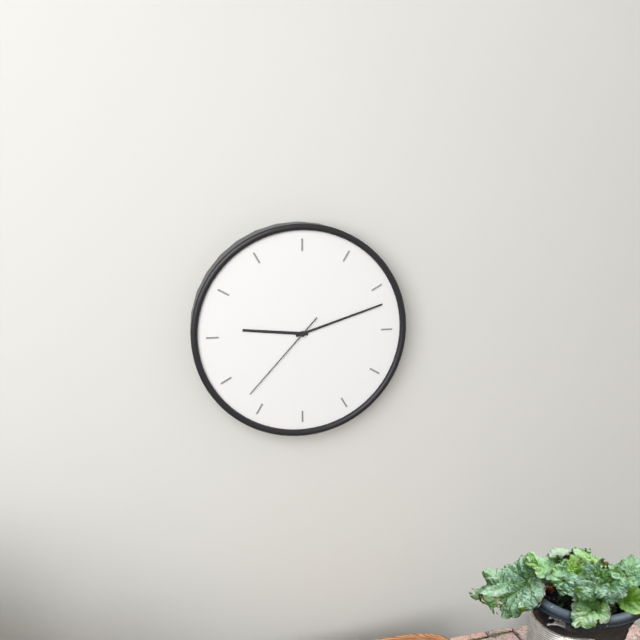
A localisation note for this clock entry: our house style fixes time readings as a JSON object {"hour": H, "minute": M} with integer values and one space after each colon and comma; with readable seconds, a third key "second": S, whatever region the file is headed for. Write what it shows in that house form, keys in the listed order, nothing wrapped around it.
{"hour": 9, "minute": 12, "second": 37}
